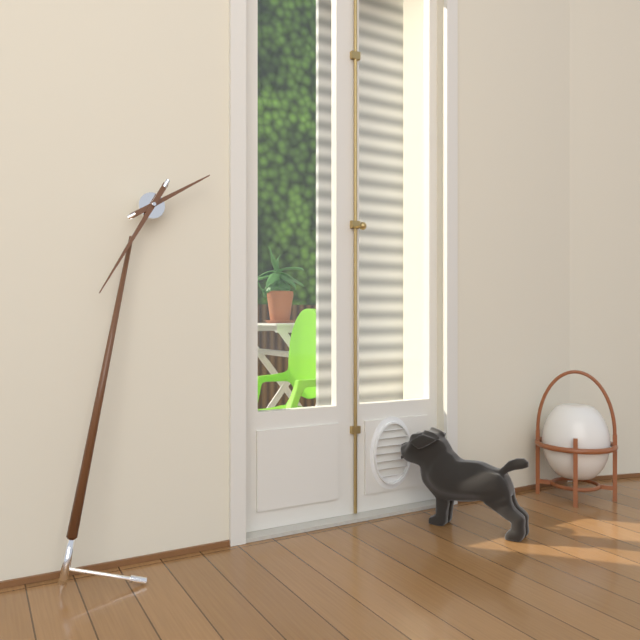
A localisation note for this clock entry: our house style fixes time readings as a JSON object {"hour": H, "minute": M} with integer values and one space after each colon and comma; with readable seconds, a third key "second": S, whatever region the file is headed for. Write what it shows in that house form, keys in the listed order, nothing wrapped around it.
{"hour": 1, "minute": 33}
